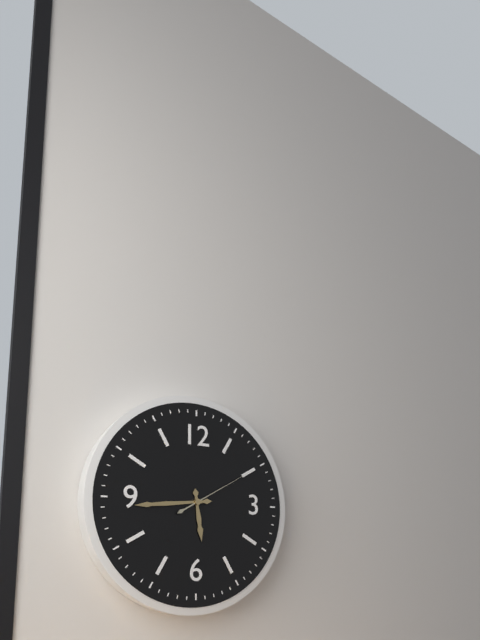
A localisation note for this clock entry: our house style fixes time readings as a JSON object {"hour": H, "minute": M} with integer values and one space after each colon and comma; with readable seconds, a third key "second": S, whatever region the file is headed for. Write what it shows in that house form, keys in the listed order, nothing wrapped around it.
{"hour": 5, "minute": 44, "second": 10}
